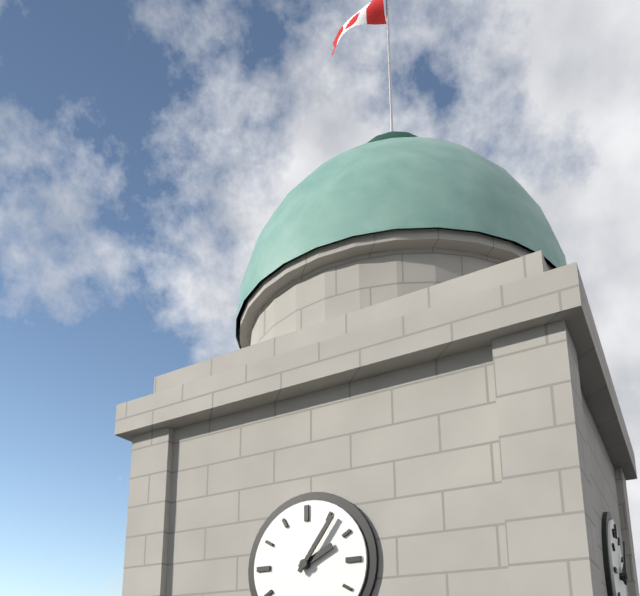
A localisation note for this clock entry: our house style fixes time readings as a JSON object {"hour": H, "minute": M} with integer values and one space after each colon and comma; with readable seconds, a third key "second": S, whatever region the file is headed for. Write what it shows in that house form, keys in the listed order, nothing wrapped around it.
{"hour": 2, "minute": 6}
